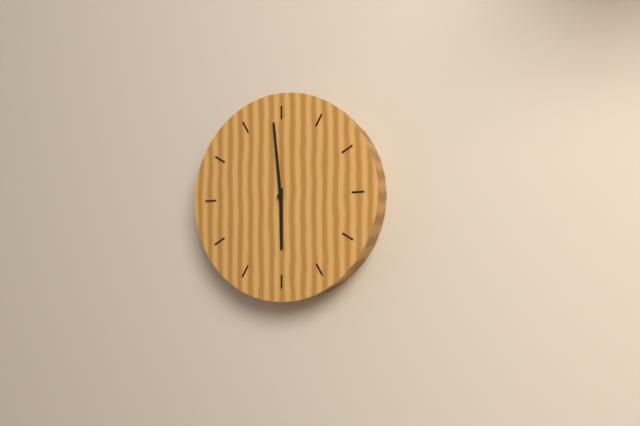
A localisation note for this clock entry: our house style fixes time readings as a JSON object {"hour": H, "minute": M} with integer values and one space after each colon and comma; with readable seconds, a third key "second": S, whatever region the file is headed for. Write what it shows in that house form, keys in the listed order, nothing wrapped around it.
{"hour": 5, "minute": 59}
